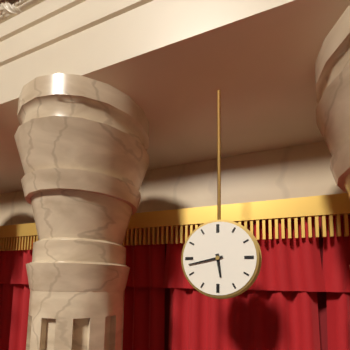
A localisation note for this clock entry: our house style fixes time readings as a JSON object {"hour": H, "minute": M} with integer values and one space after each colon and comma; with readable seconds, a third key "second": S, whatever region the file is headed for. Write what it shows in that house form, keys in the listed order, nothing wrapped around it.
{"hour": 5, "minute": 43}
